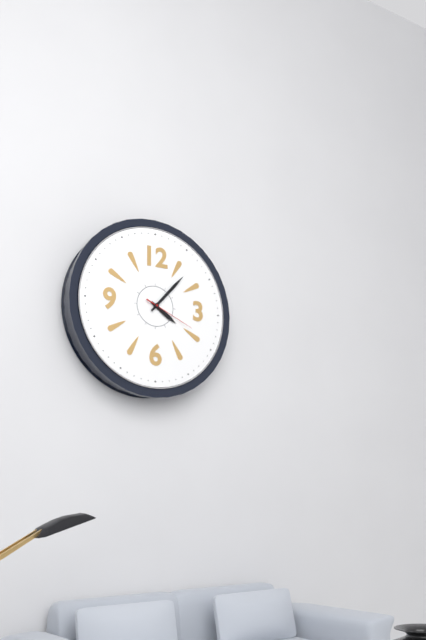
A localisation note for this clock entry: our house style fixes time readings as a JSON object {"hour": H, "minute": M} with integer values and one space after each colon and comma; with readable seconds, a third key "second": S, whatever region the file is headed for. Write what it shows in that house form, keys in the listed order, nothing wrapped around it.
{"hour": 4, "minute": 7, "second": 19}
